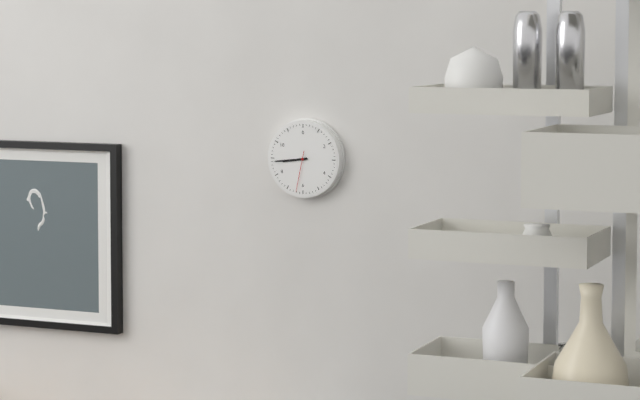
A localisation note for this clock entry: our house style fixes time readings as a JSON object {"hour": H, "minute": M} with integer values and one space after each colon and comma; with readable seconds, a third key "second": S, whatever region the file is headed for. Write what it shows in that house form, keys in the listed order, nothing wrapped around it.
{"hour": 8, "minute": 44}
